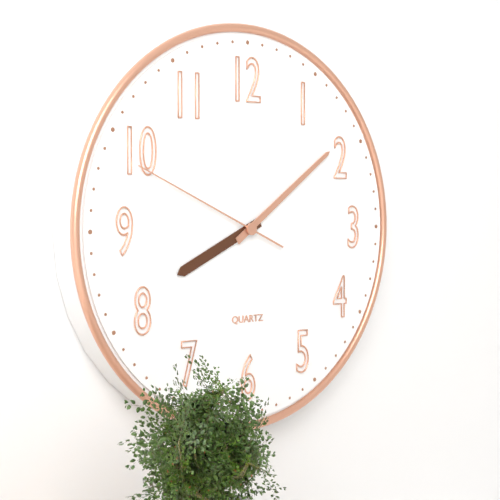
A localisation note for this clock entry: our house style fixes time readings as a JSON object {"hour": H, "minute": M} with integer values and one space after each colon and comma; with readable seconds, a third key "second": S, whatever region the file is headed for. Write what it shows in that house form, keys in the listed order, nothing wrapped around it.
{"hour": 8, "minute": 9, "second": 49}
